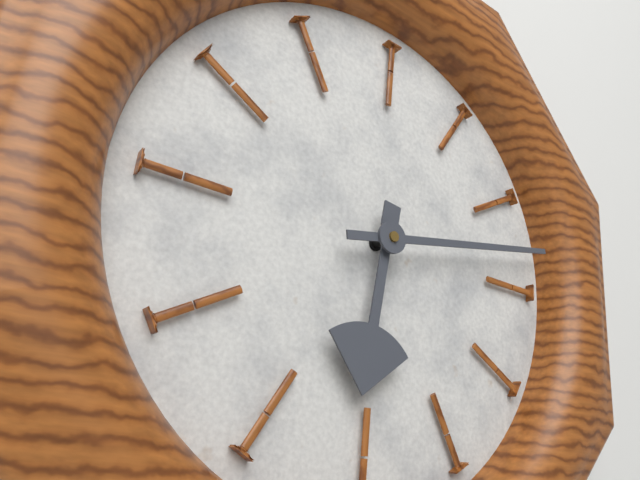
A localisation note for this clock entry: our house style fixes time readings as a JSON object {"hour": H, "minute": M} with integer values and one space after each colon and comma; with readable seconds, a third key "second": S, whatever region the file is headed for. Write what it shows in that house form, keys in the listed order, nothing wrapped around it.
{"hour": 6, "minute": 13}
